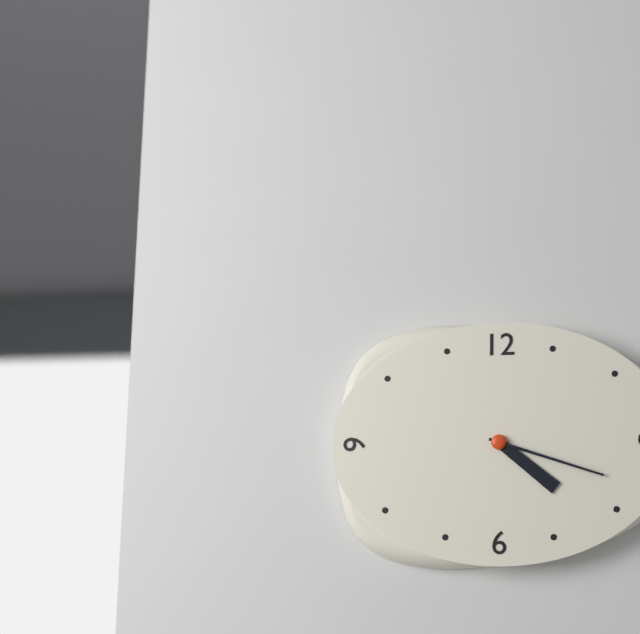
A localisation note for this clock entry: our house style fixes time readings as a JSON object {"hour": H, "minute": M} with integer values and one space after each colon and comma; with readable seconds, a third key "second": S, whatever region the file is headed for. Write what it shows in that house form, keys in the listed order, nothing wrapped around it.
{"hour": 4, "minute": 18}
